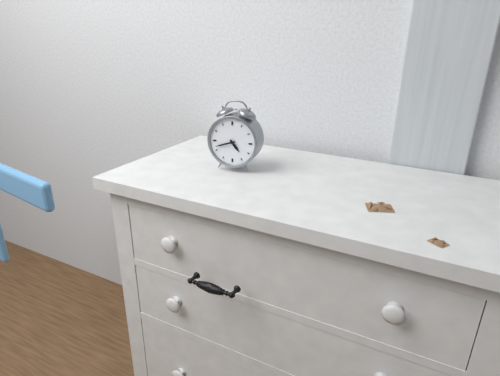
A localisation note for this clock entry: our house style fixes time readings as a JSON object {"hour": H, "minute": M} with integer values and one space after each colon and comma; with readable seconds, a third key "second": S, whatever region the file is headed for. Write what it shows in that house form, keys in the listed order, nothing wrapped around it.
{"hour": 4, "minute": 42}
